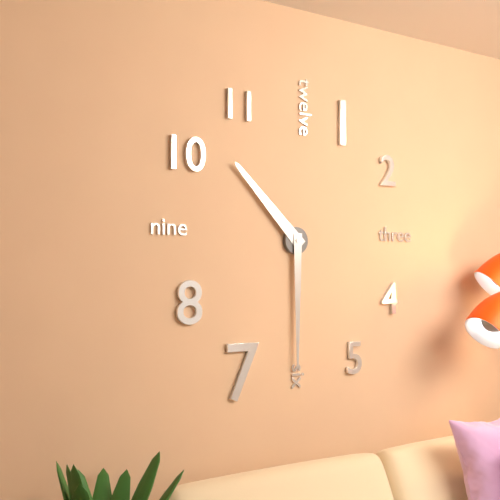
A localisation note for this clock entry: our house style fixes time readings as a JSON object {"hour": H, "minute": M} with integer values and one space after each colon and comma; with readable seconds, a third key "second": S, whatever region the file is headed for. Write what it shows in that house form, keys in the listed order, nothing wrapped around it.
{"hour": 10, "minute": 30}
